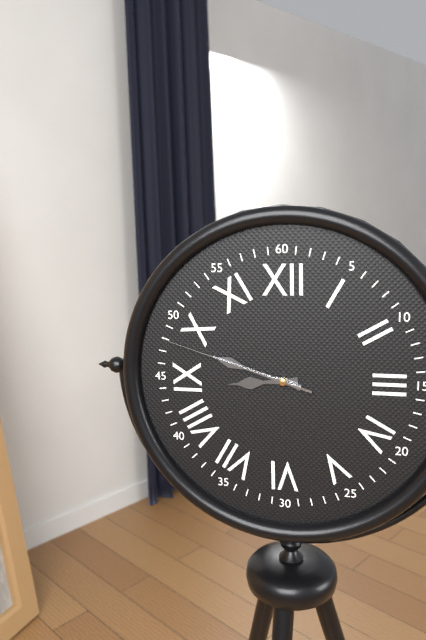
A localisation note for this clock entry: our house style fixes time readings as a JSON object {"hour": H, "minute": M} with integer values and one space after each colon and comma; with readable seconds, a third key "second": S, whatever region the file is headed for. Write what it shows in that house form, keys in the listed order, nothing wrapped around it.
{"hour": 8, "minute": 48, "second": 48}
